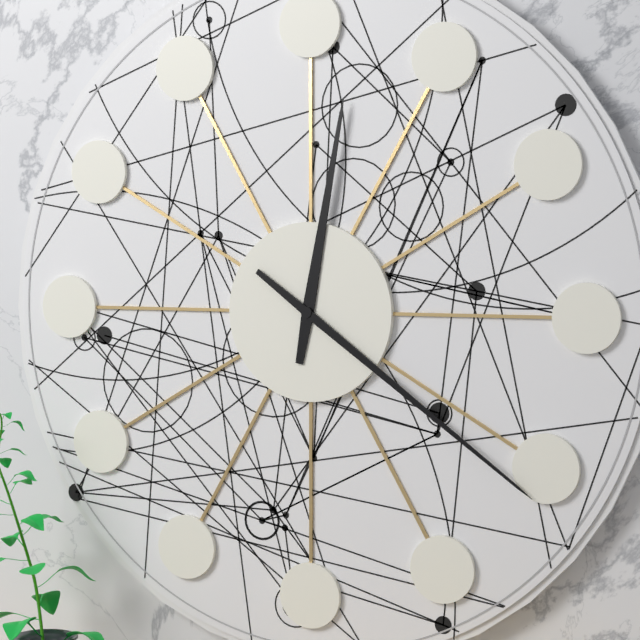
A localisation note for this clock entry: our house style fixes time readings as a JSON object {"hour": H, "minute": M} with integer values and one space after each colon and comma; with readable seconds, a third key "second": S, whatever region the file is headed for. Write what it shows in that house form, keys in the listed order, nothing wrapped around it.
{"hour": 12, "minute": 21}
